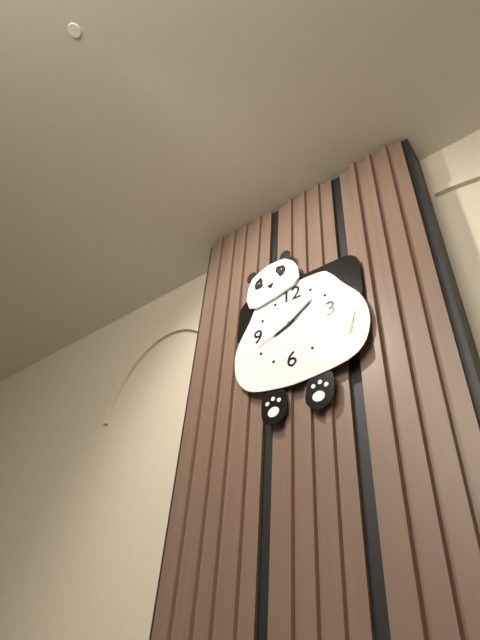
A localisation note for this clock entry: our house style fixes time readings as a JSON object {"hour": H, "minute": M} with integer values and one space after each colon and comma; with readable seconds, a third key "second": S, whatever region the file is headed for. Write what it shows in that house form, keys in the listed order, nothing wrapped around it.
{"hour": 8, "minute": 9, "second": 41}
